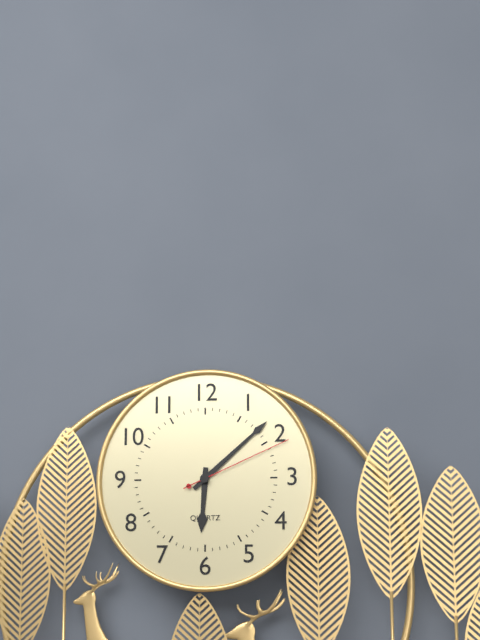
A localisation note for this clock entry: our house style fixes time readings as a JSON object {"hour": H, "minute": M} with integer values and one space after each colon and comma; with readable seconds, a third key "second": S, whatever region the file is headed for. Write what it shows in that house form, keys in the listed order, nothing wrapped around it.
{"hour": 6, "minute": 8, "second": 11}
